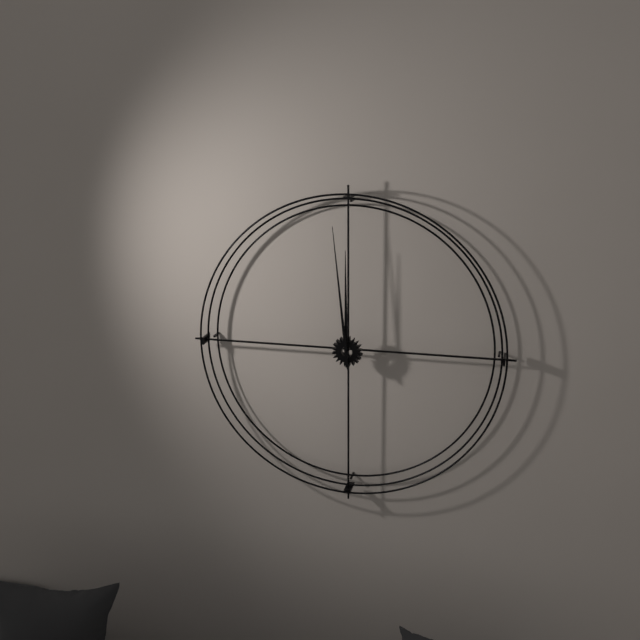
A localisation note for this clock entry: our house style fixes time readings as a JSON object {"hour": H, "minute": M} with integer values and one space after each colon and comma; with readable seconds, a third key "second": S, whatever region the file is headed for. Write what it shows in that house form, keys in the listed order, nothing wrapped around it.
{"hour": 11, "minute": 59}
